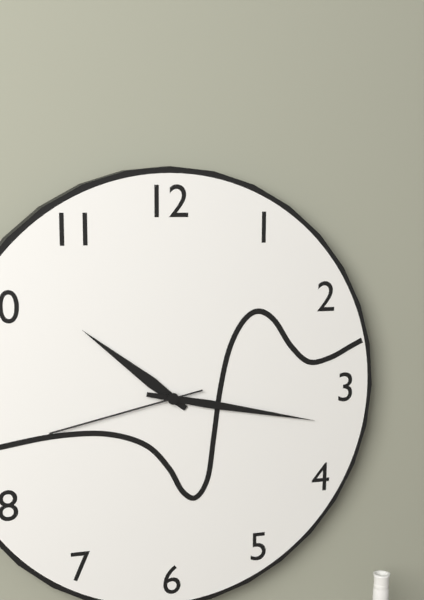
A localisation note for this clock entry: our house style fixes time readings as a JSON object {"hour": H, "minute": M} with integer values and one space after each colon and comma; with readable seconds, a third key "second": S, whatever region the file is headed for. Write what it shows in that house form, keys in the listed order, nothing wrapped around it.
{"hour": 10, "minute": 17, "second": 43}
